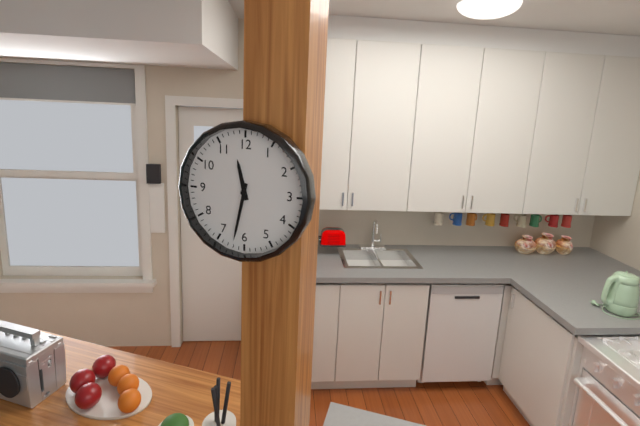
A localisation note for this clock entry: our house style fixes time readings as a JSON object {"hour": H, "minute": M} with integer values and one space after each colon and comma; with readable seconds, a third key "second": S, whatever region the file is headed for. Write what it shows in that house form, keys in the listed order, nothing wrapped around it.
{"hour": 11, "minute": 32}
